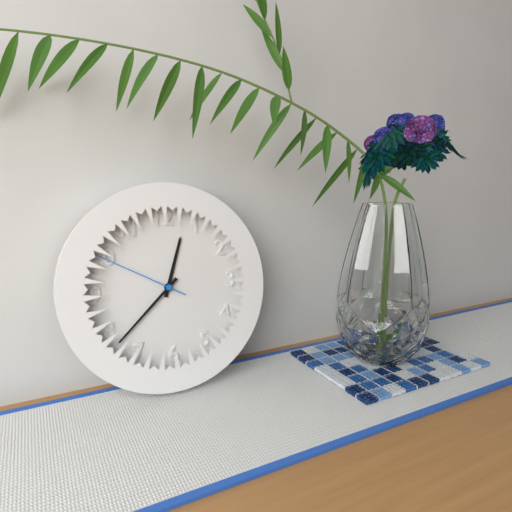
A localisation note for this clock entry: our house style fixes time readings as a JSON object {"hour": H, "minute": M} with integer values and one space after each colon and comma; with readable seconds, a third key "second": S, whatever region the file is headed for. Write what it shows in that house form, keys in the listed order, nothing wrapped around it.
{"hour": 12, "minute": 38, "second": 50}
